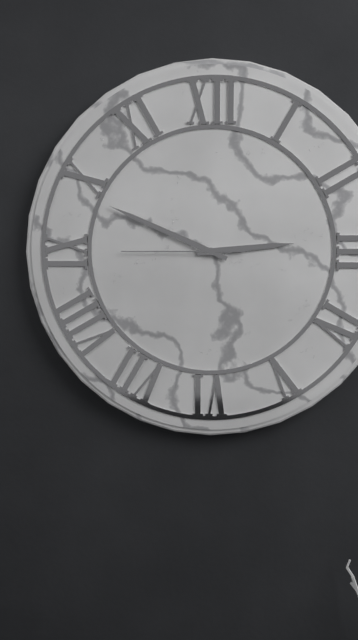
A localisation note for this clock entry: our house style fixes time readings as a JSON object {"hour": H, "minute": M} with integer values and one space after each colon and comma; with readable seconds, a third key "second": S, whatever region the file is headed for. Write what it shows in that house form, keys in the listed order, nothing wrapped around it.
{"hour": 2, "minute": 49, "second": 45}
